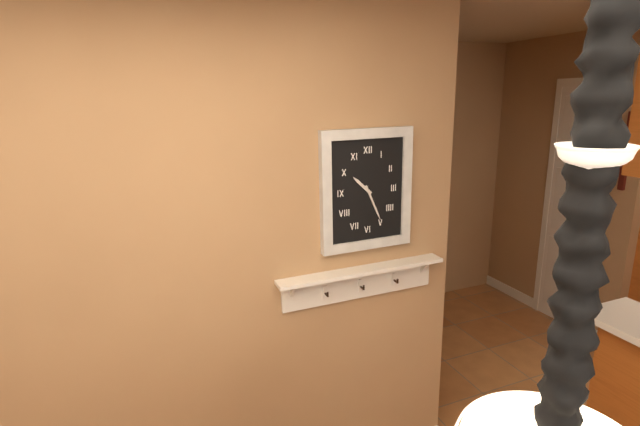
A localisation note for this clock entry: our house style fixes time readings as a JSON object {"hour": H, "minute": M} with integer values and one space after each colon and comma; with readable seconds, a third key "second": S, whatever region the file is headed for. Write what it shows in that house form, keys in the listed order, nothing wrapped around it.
{"hour": 10, "minute": 26}
